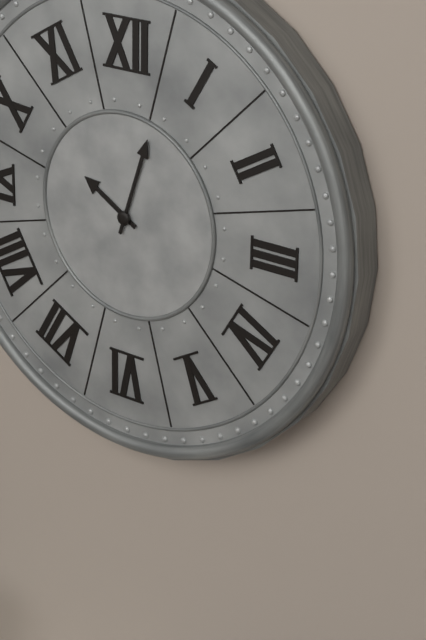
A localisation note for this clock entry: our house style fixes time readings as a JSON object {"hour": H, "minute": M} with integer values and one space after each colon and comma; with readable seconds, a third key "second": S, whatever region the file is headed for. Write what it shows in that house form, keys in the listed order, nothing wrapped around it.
{"hour": 10, "minute": 3}
